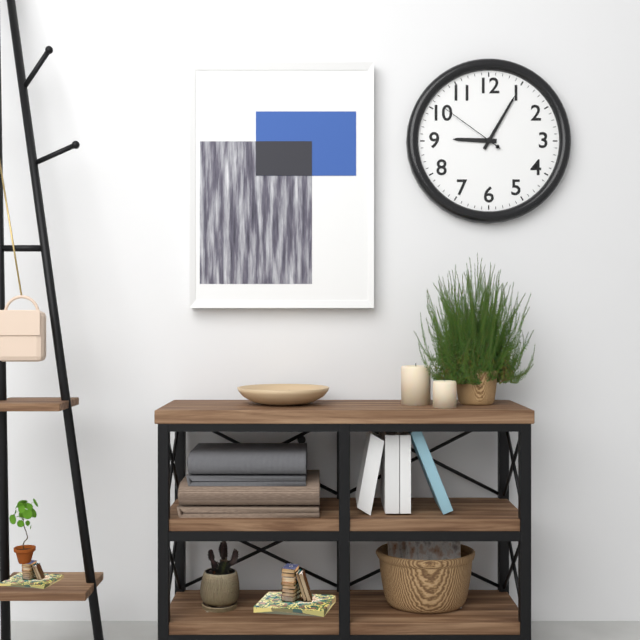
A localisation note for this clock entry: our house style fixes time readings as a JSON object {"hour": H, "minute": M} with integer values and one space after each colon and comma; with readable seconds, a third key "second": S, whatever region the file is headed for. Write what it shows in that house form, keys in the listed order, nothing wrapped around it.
{"hour": 9, "minute": 5, "second": 51}
